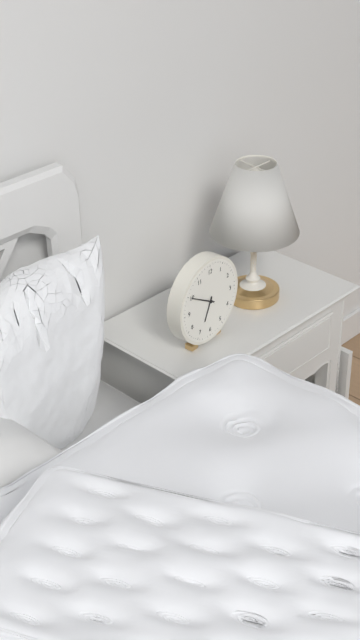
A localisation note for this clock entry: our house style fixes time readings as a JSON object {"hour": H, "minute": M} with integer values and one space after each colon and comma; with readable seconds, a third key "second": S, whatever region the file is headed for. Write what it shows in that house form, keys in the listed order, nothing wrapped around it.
{"hour": 6, "minute": 50}
